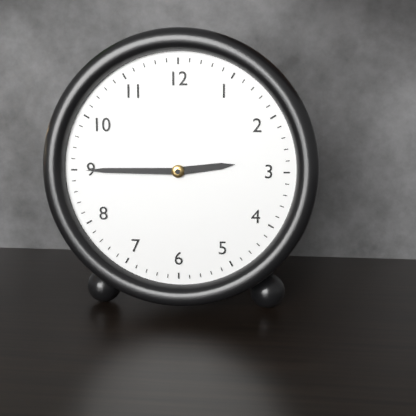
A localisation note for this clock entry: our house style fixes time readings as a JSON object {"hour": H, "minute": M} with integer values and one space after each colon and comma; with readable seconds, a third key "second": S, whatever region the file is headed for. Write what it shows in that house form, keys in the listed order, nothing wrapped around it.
{"hour": 2, "minute": 45}
